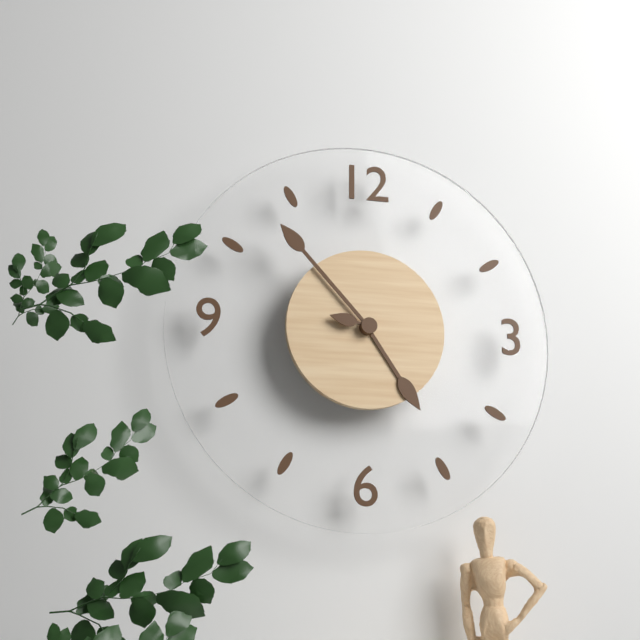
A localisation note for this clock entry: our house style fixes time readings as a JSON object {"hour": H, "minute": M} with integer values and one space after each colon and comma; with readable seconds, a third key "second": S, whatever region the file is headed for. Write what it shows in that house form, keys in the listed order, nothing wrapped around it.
{"hour": 4, "minute": 53}
